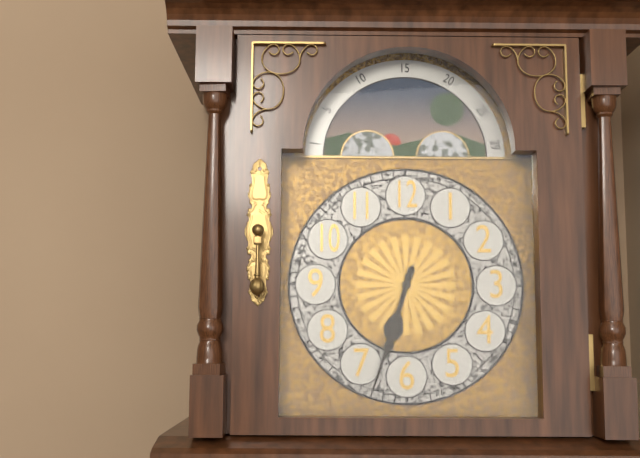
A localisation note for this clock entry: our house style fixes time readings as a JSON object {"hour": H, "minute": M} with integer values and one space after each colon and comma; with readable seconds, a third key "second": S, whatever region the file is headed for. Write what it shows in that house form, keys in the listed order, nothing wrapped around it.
{"hour": 6, "minute": 33}
